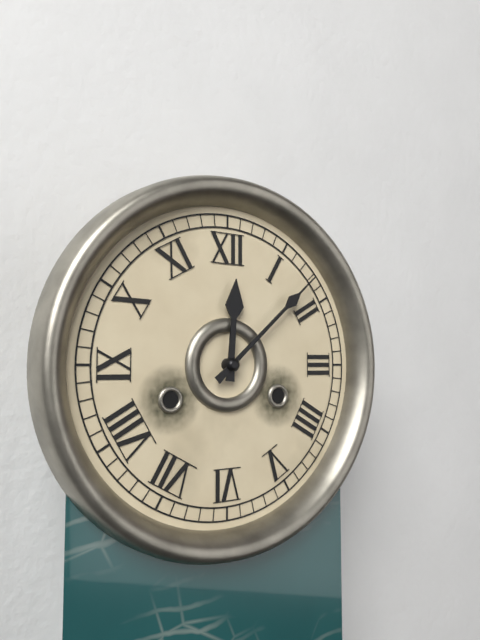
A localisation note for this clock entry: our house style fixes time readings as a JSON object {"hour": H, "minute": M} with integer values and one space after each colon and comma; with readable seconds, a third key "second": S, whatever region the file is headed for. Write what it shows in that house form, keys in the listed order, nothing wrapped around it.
{"hour": 12, "minute": 8}
